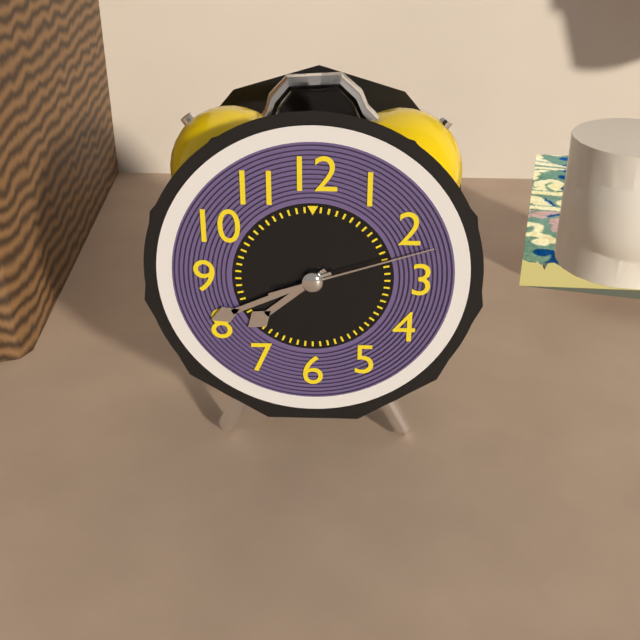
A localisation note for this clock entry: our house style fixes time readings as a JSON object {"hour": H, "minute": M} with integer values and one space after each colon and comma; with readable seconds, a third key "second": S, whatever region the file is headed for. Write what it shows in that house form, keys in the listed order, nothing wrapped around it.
{"hour": 7, "minute": 41, "second": 12}
